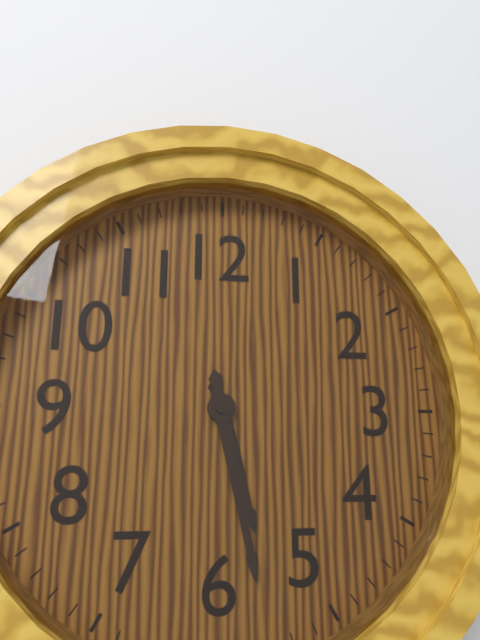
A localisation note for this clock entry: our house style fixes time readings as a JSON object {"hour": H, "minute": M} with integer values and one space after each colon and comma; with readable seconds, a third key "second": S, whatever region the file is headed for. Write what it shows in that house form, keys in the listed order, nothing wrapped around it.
{"hour": 5, "minute": 28}
